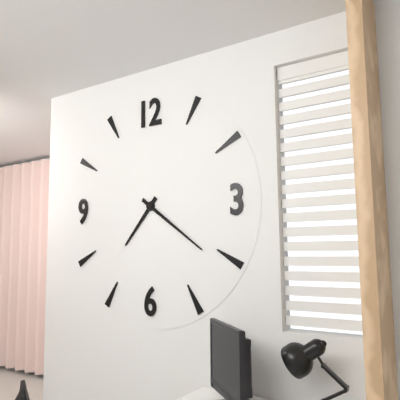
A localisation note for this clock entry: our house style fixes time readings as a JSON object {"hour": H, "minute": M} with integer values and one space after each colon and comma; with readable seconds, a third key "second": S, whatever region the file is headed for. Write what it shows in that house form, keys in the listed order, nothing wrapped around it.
{"hour": 7, "minute": 21}
